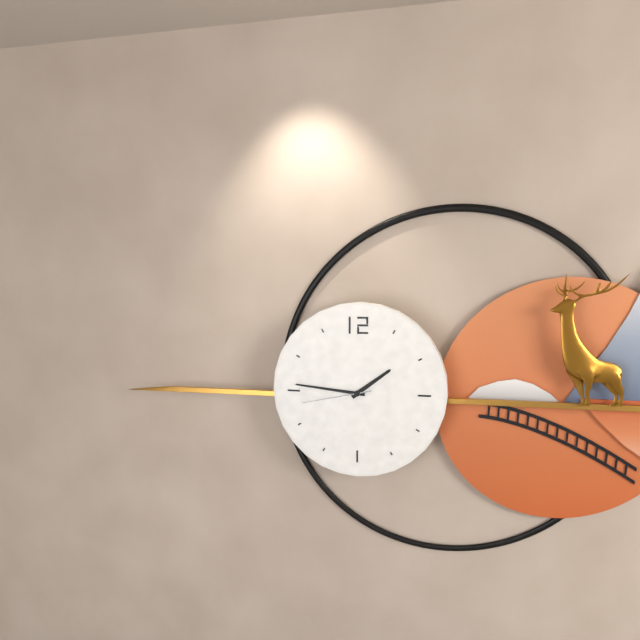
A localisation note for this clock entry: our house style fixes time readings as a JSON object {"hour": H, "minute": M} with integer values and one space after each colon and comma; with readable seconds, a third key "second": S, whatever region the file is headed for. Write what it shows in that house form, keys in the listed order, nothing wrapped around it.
{"hour": 1, "minute": 46, "second": 43}
